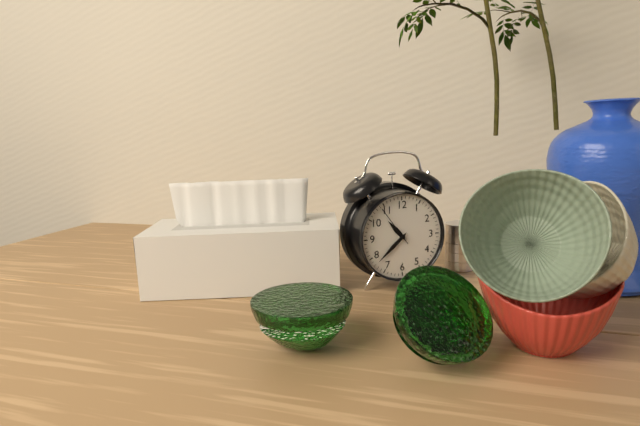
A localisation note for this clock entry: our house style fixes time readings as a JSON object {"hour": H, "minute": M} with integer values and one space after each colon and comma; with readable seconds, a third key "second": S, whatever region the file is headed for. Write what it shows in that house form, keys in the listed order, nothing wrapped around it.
{"hour": 10, "minute": 38}
